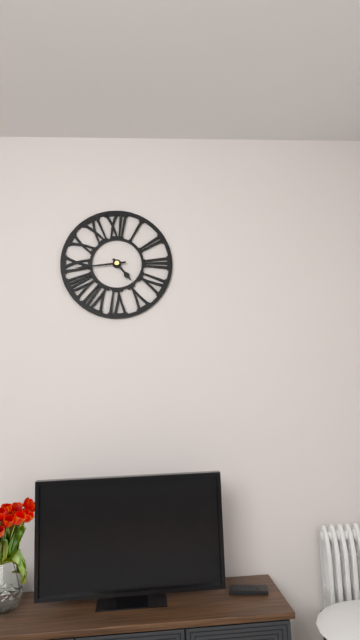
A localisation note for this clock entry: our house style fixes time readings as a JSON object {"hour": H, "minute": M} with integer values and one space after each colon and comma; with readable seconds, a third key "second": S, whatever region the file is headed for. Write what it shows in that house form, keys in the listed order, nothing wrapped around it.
{"hour": 4, "minute": 44}
